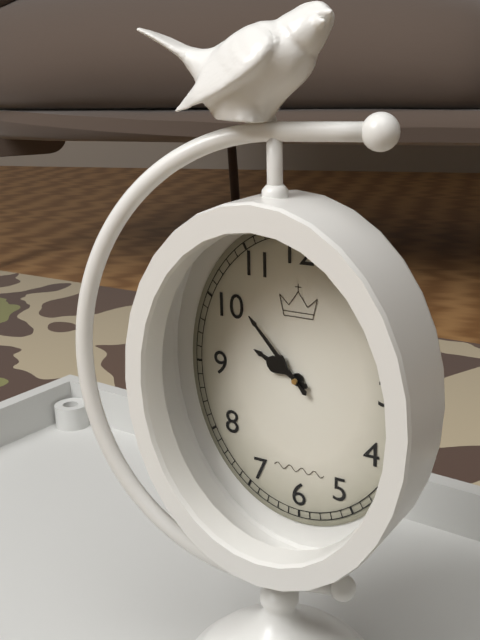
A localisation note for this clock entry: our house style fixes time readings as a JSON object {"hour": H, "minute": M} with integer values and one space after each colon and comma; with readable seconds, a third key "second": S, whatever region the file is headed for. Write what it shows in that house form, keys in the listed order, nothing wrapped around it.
{"hour": 9, "minute": 53}
